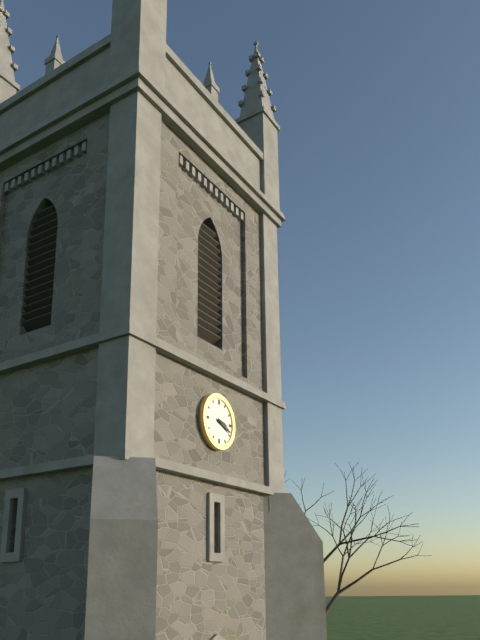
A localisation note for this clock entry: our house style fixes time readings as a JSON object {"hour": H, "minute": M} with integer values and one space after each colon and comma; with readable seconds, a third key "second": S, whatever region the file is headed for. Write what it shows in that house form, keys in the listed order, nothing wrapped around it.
{"hour": 3, "minute": 19}
